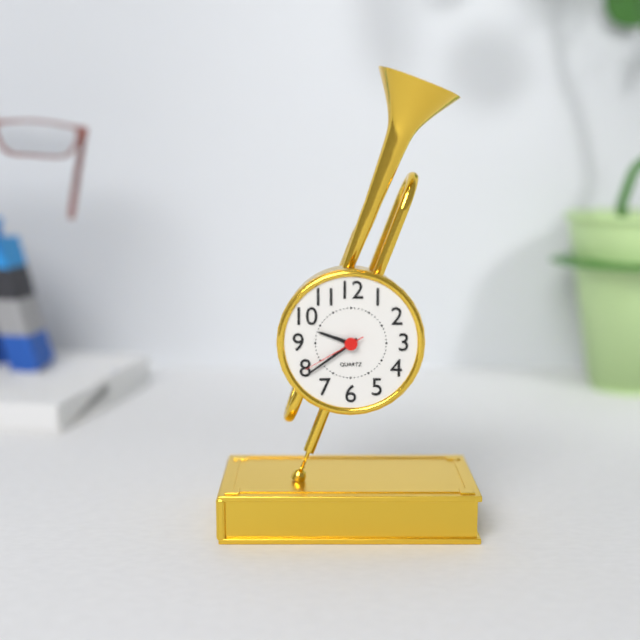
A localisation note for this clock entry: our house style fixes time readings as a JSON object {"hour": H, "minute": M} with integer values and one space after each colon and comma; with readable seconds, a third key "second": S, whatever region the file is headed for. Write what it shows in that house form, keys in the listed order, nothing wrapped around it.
{"hour": 9, "minute": 39, "second": 40}
